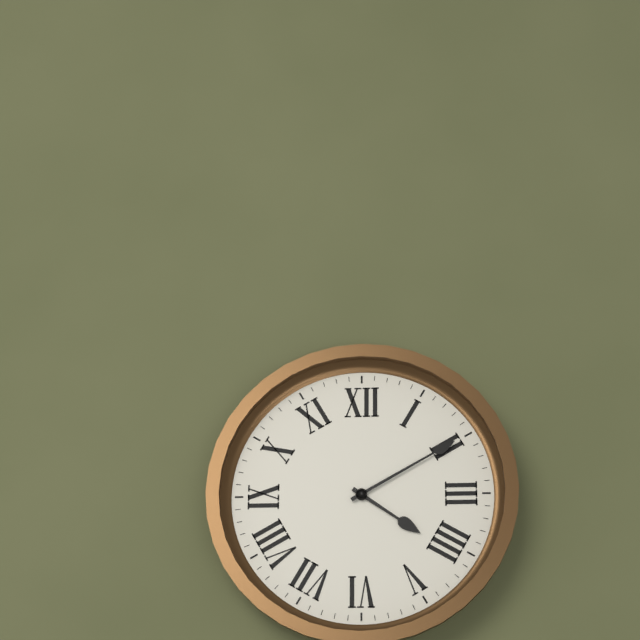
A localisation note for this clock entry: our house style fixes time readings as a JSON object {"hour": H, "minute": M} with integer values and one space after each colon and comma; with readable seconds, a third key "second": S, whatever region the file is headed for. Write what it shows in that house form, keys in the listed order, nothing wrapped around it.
{"hour": 4, "minute": 10}
